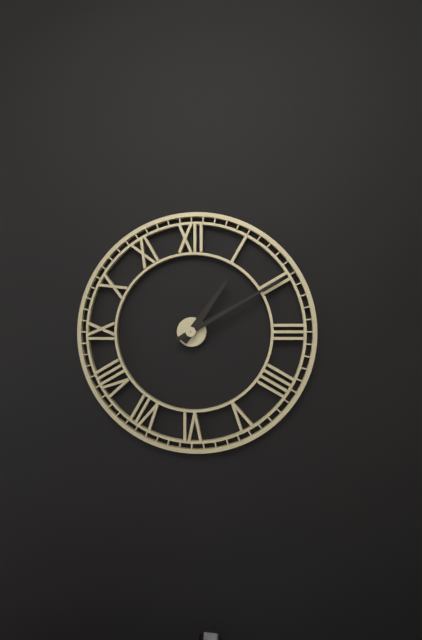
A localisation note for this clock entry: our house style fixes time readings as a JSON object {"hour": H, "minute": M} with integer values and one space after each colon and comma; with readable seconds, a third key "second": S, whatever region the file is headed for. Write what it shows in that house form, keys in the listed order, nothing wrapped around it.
{"hour": 1, "minute": 10}
